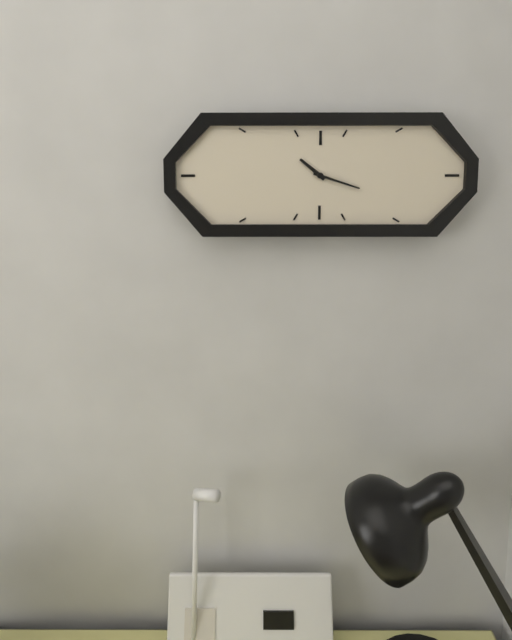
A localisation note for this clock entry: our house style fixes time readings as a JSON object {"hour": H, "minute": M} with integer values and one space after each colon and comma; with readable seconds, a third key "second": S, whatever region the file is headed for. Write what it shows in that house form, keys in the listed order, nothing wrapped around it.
{"hour": 10, "minute": 18}
